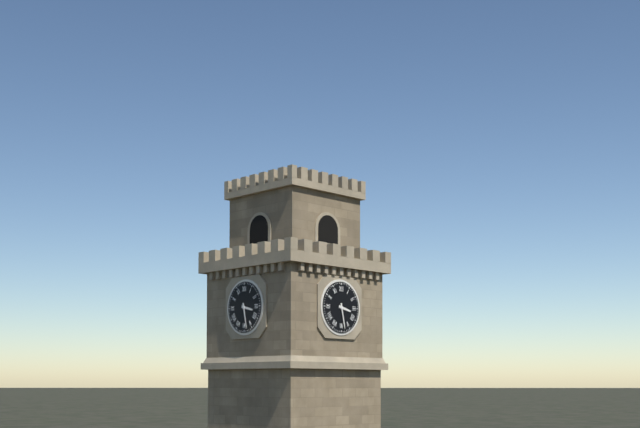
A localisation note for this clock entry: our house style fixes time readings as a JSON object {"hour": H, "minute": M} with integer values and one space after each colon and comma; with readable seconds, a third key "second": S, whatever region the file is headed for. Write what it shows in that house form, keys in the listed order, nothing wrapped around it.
{"hour": 3, "minute": 28}
